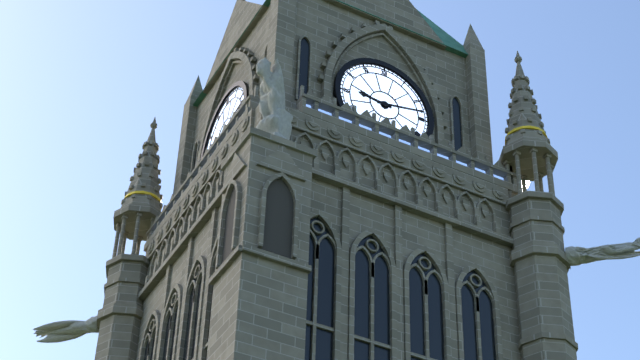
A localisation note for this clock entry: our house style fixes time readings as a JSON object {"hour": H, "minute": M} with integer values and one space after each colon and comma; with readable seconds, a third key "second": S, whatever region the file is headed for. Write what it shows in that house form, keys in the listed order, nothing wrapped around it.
{"hour": 9, "minute": 13}
